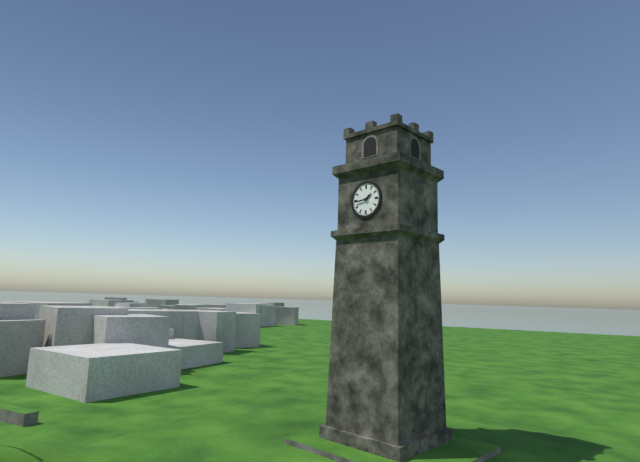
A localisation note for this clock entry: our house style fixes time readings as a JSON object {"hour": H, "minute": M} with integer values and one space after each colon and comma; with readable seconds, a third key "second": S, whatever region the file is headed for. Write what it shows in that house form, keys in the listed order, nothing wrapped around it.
{"hour": 1, "minute": 44}
